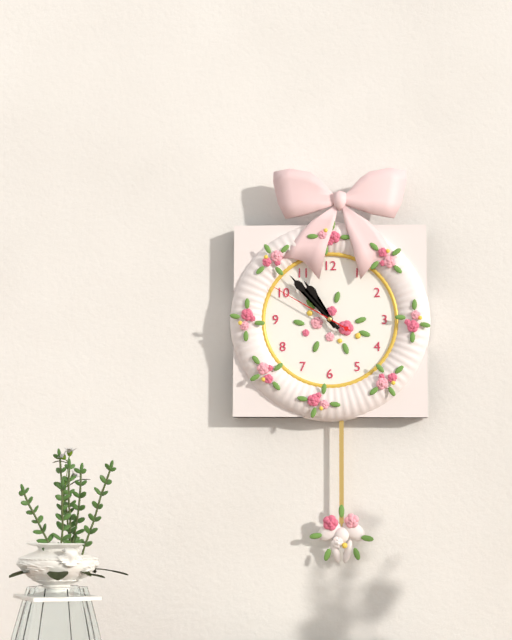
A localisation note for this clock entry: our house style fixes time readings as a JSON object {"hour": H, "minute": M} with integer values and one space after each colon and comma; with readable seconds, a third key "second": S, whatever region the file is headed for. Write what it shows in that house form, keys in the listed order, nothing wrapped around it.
{"hour": 10, "minute": 53, "second": 50}
